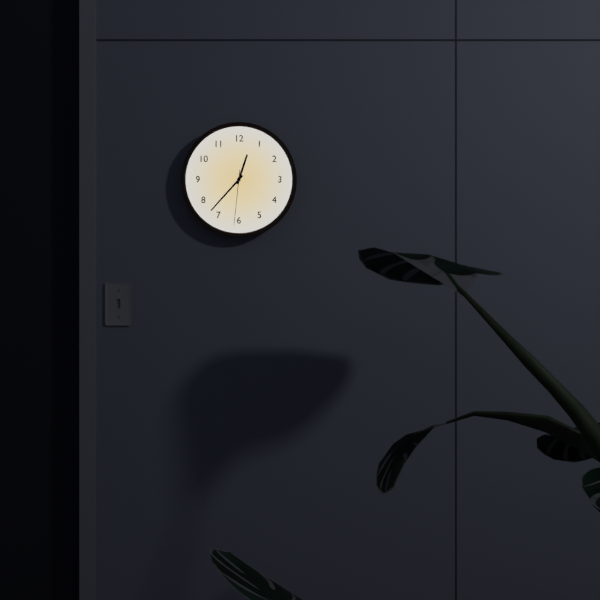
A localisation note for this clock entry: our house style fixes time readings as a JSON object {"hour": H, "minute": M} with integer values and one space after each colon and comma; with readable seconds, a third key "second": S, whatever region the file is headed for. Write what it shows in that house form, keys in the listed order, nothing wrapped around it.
{"hour": 12, "minute": 37, "second": 31}
